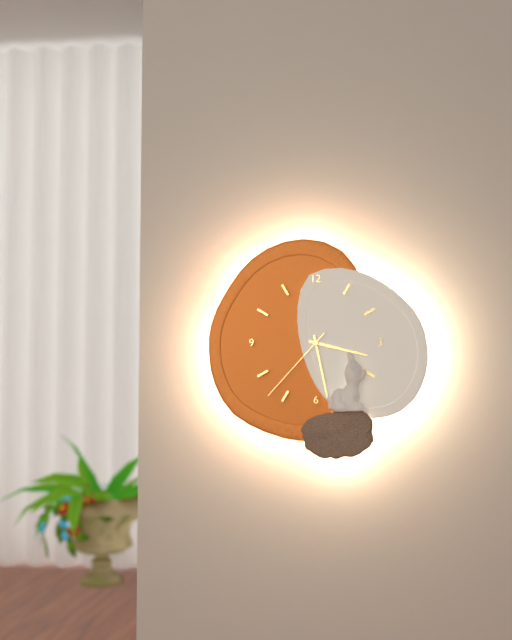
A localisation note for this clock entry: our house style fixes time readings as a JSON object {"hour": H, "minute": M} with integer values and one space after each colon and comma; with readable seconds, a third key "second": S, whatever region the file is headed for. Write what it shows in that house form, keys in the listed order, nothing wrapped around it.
{"hour": 3, "minute": 28, "second": 37}
